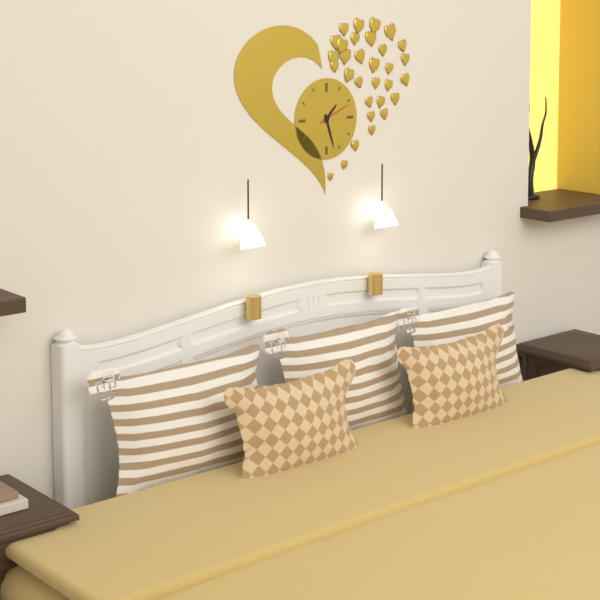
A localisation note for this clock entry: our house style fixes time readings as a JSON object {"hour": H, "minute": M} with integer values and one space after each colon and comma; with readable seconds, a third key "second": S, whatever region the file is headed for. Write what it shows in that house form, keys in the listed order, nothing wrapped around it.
{"hour": 1, "minute": 27}
